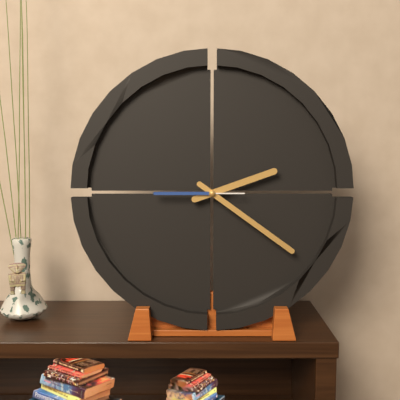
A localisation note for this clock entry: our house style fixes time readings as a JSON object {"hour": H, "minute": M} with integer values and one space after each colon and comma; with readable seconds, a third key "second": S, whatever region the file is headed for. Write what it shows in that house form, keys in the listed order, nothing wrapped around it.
{"hour": 2, "minute": 21, "second": 45}
